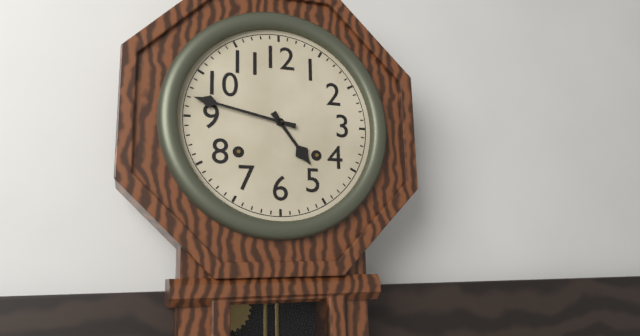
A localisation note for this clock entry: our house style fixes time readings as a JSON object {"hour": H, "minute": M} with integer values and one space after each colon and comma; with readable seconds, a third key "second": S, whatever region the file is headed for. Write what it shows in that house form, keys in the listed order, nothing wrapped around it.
{"hour": 4, "minute": 47}
